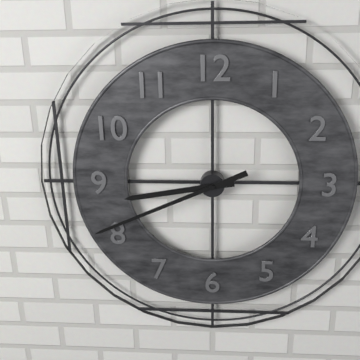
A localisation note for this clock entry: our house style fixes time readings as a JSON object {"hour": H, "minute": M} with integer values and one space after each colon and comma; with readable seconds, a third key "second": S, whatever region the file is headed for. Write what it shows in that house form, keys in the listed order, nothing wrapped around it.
{"hour": 8, "minute": 41}
